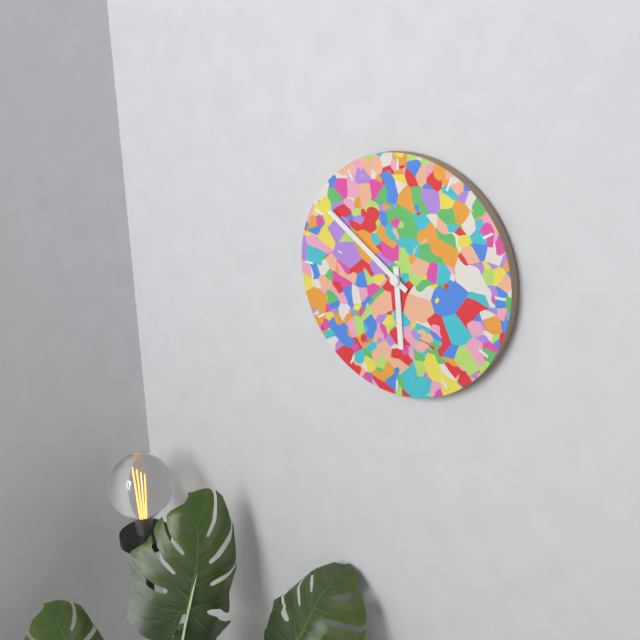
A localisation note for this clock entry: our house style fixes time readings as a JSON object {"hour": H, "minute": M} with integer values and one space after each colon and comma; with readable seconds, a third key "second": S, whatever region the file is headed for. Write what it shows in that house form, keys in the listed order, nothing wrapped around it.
{"hour": 5, "minute": 51}
